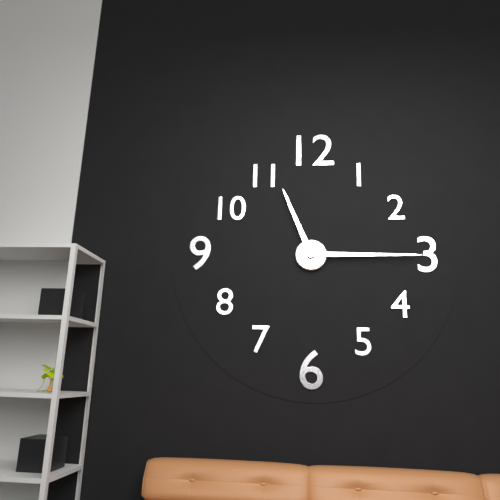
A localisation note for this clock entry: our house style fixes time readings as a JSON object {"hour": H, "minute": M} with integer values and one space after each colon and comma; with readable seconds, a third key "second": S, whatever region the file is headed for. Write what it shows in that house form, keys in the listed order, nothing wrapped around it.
{"hour": 11, "minute": 15}
